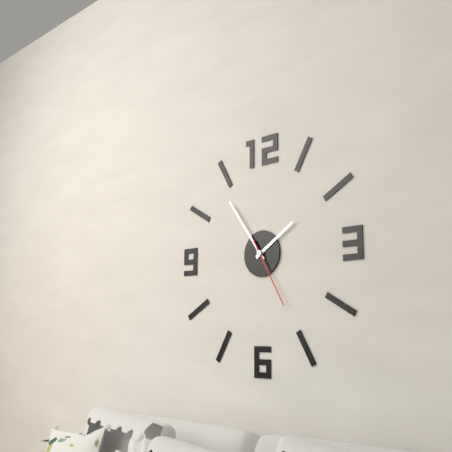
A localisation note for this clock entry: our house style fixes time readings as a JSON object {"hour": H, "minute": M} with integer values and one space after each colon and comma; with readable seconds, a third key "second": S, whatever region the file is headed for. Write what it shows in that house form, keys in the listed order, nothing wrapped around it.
{"hour": 1, "minute": 54, "second": 25}
